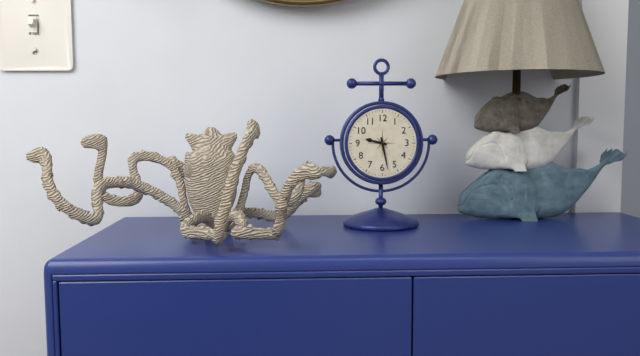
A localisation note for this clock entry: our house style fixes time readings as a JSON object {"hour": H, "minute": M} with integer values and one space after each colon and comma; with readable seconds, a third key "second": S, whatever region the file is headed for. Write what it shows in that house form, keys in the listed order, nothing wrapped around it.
{"hour": 9, "minute": 28}
